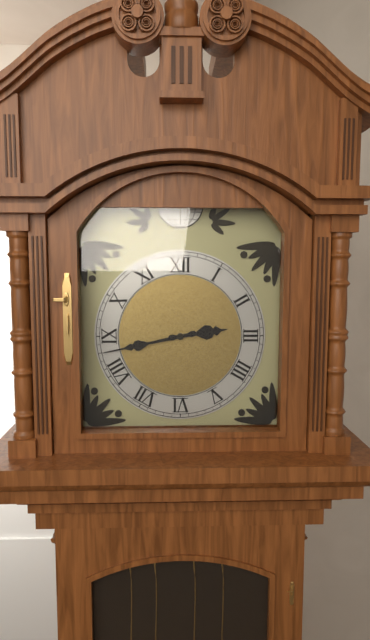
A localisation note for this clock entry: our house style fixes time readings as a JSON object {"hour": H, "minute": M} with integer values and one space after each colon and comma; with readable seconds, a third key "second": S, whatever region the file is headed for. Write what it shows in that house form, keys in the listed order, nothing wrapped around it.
{"hour": 2, "minute": 43}
